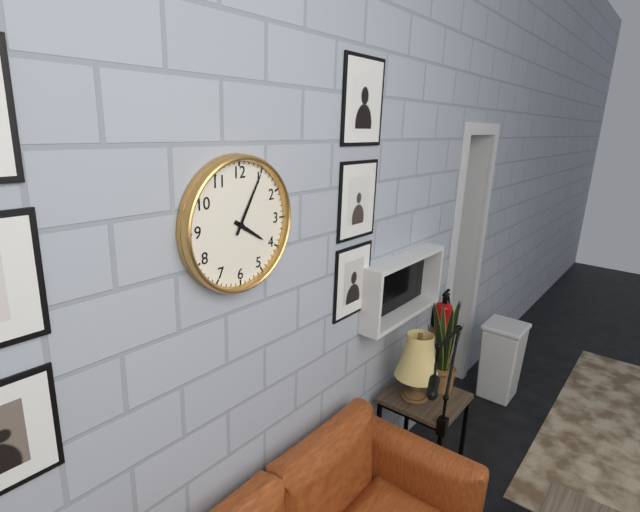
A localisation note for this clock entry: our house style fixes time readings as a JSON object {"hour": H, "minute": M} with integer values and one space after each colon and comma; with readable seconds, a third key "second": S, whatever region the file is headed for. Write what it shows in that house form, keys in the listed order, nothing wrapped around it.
{"hour": 4, "minute": 5}
